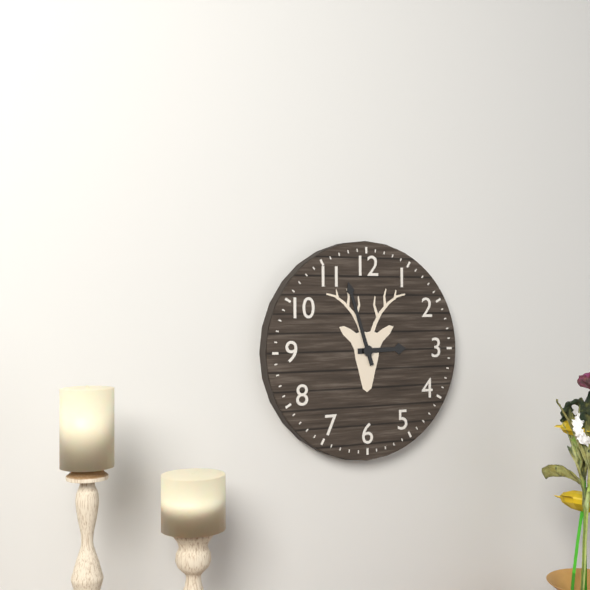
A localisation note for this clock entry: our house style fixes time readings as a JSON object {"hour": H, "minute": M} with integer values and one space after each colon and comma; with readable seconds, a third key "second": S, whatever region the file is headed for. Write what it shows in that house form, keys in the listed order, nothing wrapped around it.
{"hour": 2, "minute": 57}
